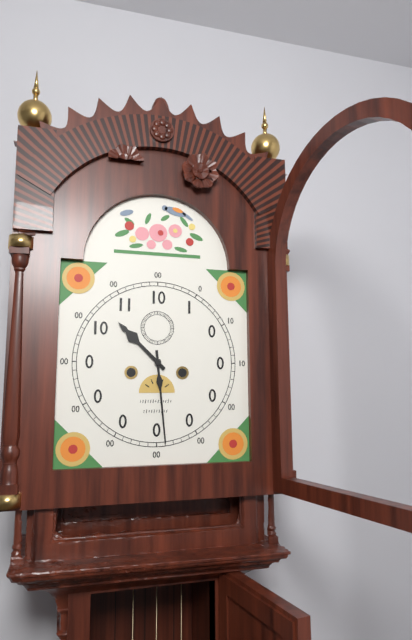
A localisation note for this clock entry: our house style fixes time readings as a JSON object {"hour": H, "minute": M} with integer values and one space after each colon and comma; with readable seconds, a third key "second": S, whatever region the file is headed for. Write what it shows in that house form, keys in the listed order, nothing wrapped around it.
{"hour": 10, "minute": 29}
